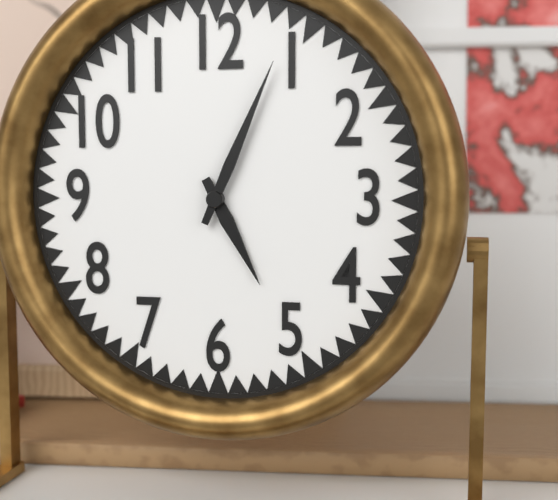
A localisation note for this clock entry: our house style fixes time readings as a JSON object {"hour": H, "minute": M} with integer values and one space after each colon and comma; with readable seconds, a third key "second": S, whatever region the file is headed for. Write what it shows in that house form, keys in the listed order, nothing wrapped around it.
{"hour": 5, "minute": 4}
